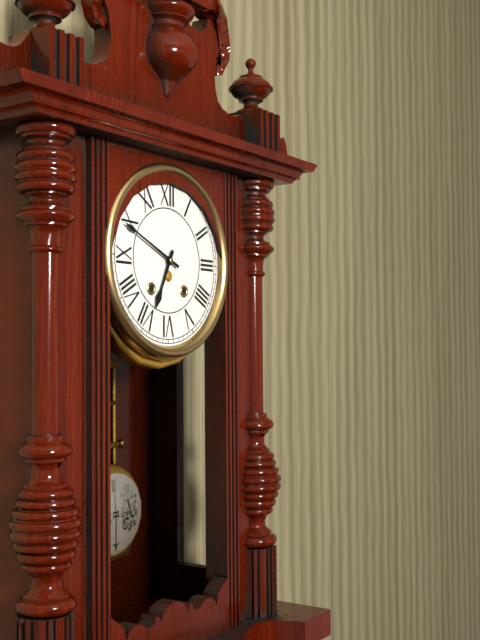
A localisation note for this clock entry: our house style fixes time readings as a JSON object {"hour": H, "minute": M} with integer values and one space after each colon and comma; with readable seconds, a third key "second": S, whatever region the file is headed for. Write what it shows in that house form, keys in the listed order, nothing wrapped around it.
{"hour": 6, "minute": 49}
